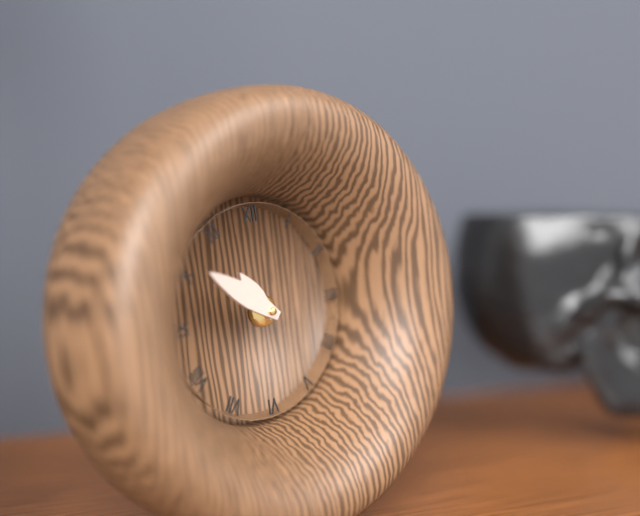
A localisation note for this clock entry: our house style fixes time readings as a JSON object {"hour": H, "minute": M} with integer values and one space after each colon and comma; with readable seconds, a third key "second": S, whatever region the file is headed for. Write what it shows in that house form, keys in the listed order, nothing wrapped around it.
{"hour": 10, "minute": 51}
